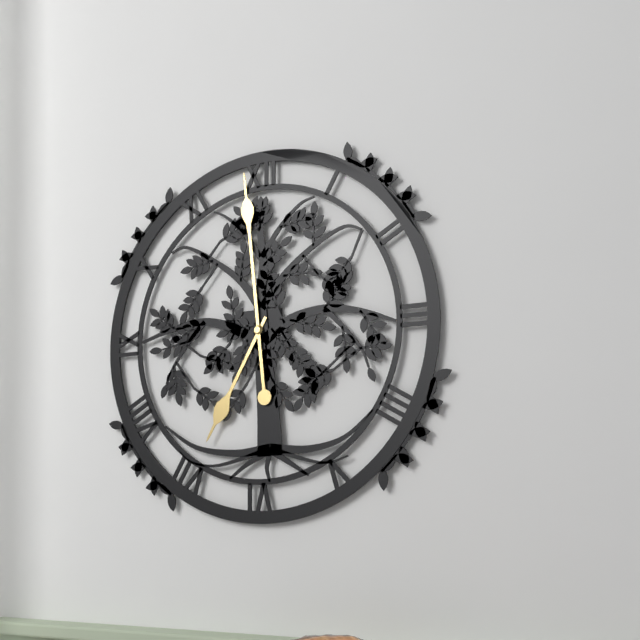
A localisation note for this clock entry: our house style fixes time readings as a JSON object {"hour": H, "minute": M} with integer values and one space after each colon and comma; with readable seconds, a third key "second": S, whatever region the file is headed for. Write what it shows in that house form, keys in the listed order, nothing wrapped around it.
{"hour": 6, "minute": 59}
